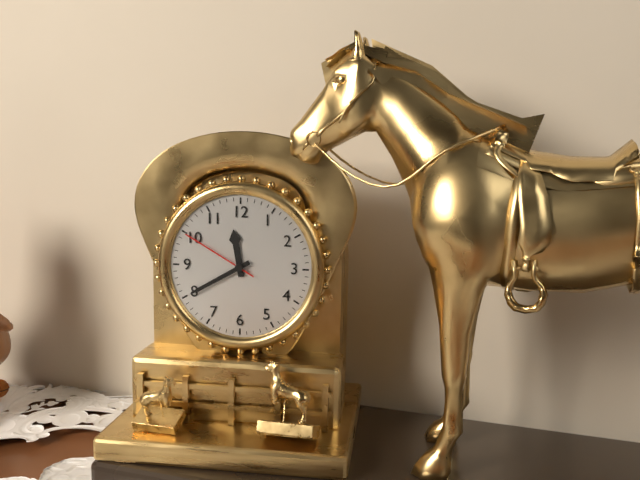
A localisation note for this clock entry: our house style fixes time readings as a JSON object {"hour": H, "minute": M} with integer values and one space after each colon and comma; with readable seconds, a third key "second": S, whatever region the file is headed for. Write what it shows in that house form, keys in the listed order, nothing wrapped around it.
{"hour": 11, "minute": 40, "second": 50}
